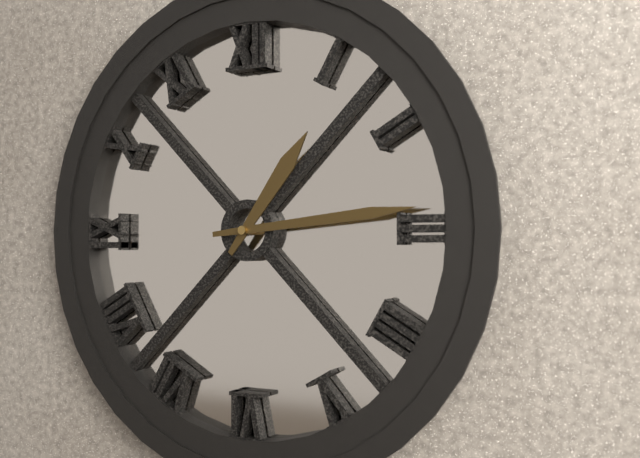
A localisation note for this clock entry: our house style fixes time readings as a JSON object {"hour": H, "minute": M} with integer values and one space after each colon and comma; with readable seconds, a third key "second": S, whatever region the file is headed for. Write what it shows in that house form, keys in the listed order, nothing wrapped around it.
{"hour": 1, "minute": 14}
